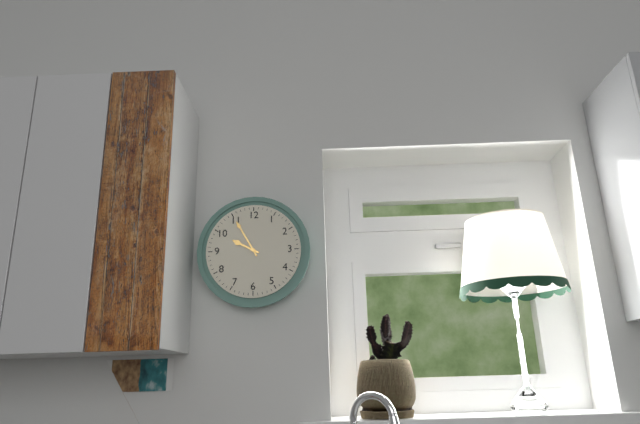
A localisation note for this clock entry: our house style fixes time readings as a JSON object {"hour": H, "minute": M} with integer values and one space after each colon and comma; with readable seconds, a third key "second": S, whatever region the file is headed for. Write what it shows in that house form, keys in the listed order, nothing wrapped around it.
{"hour": 9, "minute": 55}
